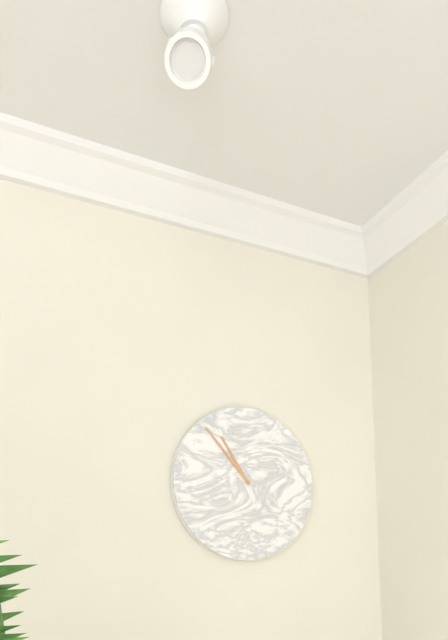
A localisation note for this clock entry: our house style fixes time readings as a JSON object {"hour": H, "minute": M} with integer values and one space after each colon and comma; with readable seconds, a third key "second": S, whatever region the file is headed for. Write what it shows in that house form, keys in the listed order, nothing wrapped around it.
{"hour": 10, "minute": 53}
